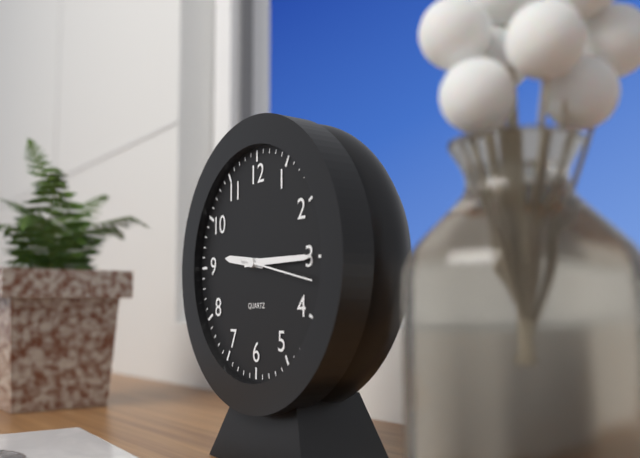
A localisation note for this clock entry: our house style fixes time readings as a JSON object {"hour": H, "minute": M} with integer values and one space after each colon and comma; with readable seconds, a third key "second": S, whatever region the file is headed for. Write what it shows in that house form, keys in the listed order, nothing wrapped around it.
{"hour": 9, "minute": 15, "second": 17}
